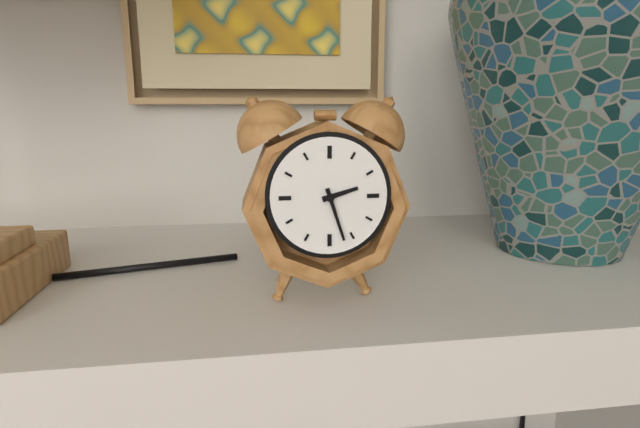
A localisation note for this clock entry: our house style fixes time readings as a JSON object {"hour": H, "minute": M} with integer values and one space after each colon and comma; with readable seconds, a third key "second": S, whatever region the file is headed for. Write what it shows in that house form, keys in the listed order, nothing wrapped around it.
{"hour": 2, "minute": 27}
